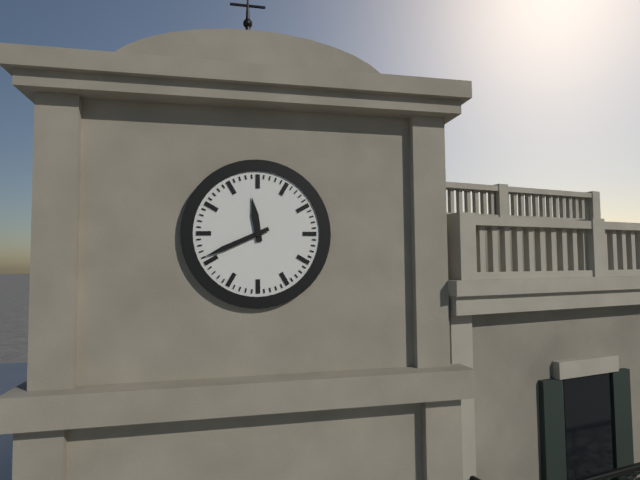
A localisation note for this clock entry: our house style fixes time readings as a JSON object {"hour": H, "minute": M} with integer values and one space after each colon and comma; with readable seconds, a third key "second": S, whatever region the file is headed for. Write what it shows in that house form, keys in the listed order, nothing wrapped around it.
{"hour": 11, "minute": 41}
